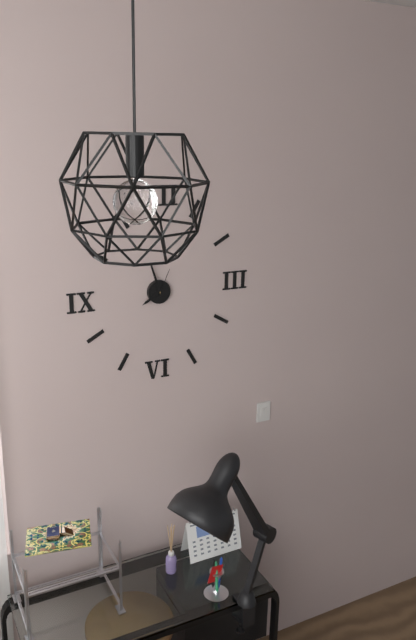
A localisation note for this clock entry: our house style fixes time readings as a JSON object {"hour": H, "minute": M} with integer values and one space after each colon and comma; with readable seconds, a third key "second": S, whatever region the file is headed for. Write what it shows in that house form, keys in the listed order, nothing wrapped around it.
{"hour": 7, "minute": 57}
